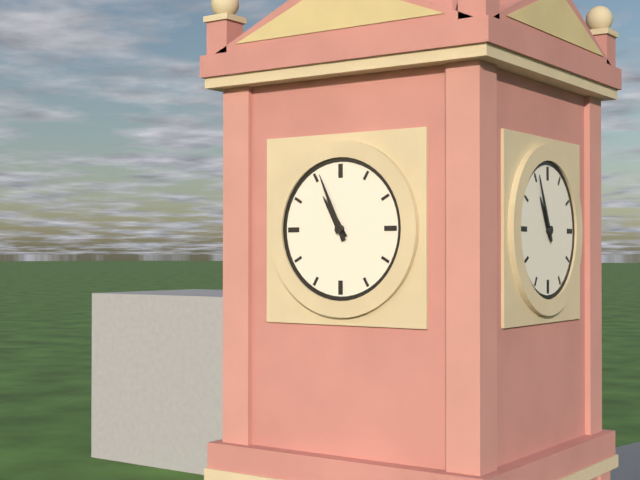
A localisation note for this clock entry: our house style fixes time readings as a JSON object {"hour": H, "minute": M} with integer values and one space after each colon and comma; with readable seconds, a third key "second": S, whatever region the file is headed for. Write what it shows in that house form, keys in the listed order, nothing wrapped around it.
{"hour": 10, "minute": 56}
